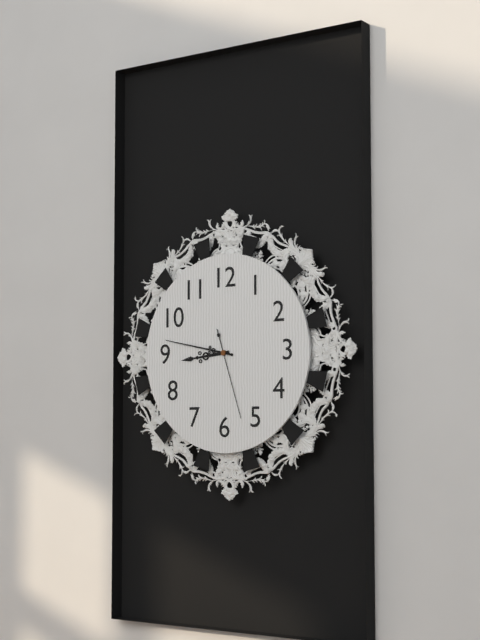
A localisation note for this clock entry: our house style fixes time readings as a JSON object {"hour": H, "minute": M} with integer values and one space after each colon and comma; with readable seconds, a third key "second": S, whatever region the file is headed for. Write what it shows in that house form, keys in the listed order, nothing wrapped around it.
{"hour": 8, "minute": 47, "second": 27}
